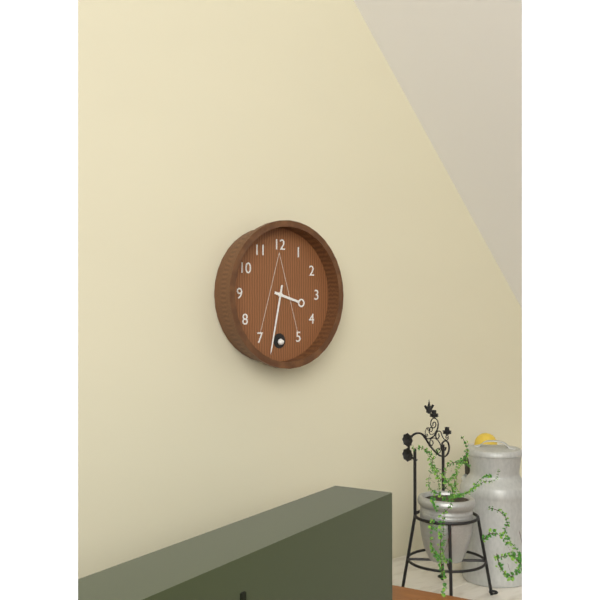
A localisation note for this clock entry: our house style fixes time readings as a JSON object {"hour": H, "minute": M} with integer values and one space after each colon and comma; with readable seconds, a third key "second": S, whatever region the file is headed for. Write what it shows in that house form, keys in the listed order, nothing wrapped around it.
{"hour": 3, "minute": 32}
